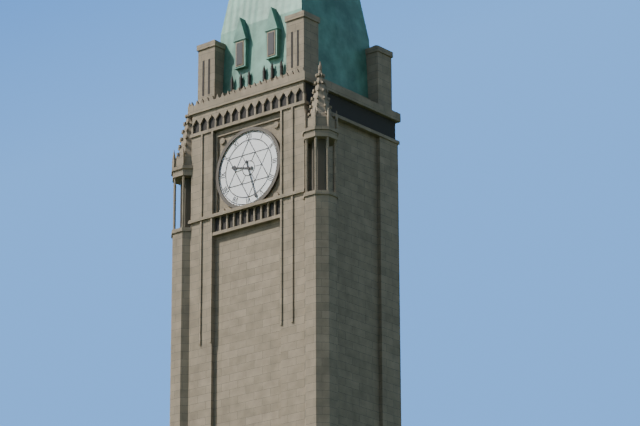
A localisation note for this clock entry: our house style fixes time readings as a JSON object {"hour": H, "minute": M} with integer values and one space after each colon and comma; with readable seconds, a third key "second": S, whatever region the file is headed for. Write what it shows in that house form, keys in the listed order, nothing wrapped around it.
{"hour": 9, "minute": 27}
